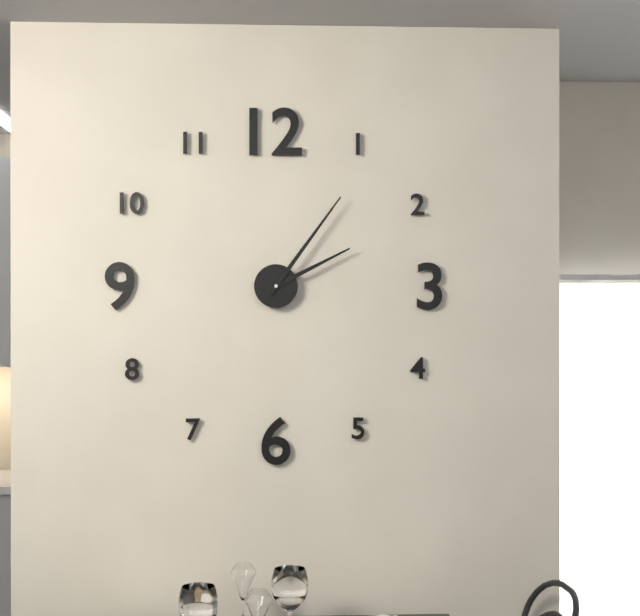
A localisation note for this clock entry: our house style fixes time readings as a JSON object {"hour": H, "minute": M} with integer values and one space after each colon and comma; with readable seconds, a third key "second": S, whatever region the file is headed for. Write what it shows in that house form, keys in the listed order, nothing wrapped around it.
{"hour": 2, "minute": 6}
